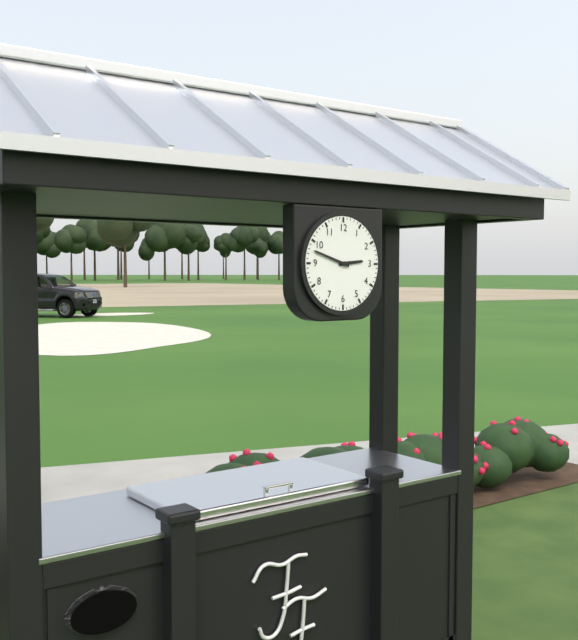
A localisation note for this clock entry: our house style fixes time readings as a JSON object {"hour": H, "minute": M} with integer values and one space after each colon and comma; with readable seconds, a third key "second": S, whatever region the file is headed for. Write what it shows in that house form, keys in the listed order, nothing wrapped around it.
{"hour": 2, "minute": 48}
